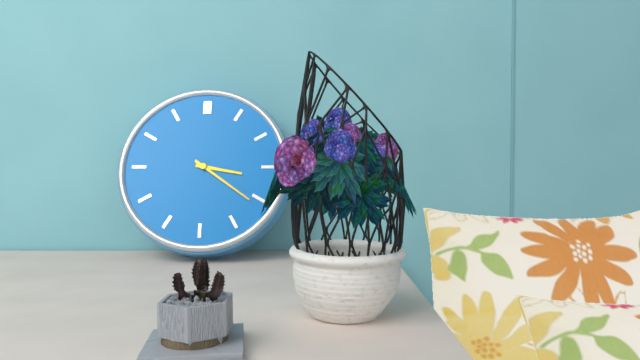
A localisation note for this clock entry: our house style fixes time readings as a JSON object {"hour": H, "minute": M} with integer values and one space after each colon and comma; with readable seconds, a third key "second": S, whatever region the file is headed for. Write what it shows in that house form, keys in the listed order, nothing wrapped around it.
{"hour": 3, "minute": 21}
